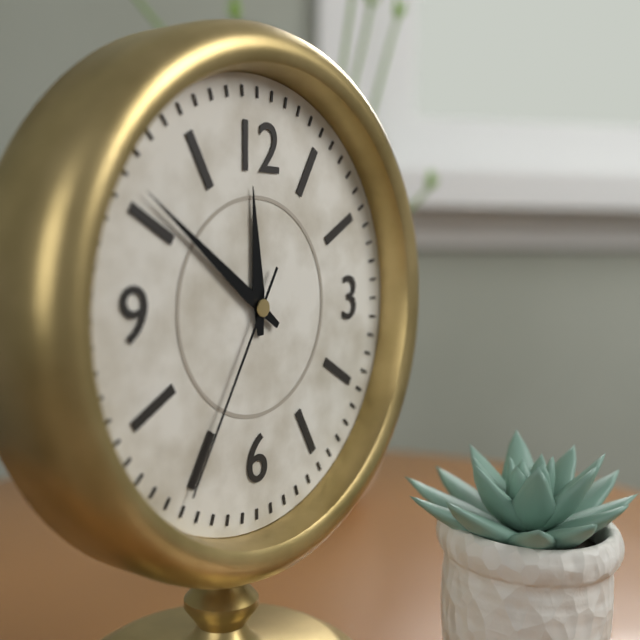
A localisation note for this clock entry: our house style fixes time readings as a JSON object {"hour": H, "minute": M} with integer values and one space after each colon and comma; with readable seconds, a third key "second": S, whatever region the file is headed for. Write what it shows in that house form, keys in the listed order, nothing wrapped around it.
{"hour": 11, "minute": 51, "second": 35}
